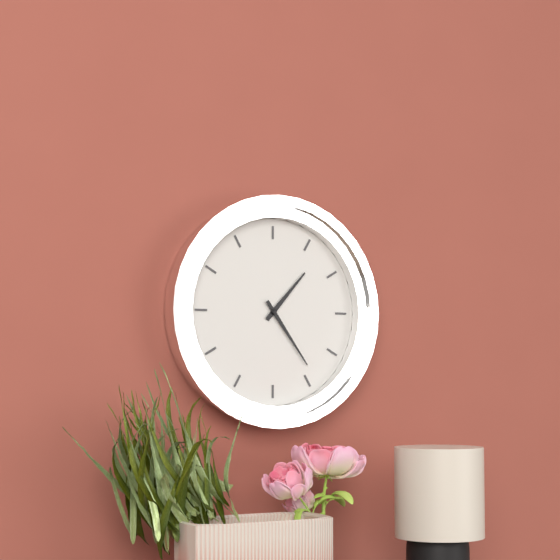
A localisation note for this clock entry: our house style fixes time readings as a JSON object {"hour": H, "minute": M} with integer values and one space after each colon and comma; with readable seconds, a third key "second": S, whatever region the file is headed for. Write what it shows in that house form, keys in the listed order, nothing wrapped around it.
{"hour": 1, "minute": 24}
